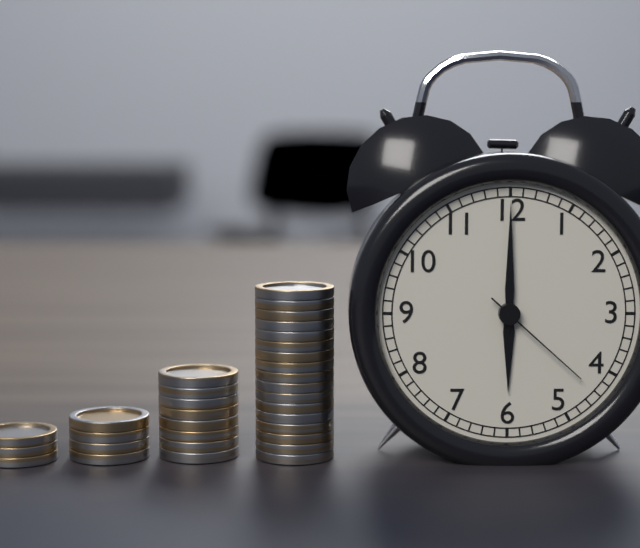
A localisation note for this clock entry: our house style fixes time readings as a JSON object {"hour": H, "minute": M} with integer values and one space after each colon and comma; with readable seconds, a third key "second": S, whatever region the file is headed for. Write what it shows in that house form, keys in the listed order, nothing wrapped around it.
{"hour": 6, "minute": 0, "second": 22}
